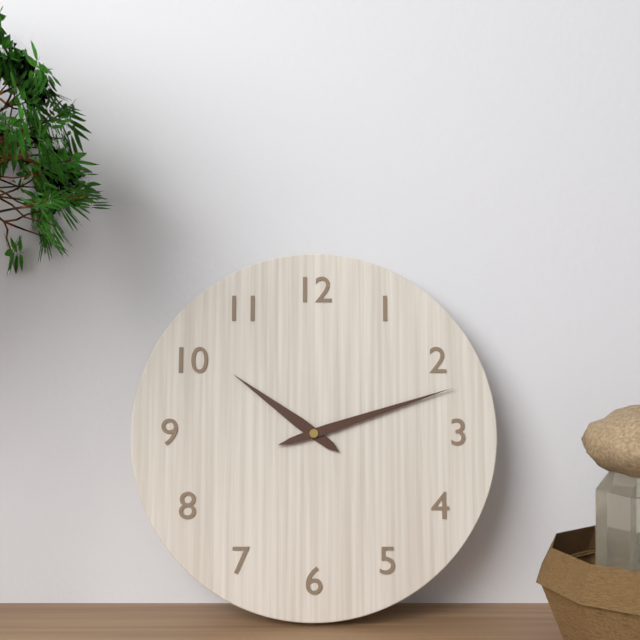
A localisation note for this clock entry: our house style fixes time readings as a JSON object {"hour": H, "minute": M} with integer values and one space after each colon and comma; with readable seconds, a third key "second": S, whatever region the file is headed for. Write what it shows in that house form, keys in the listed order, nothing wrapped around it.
{"hour": 10, "minute": 12}
